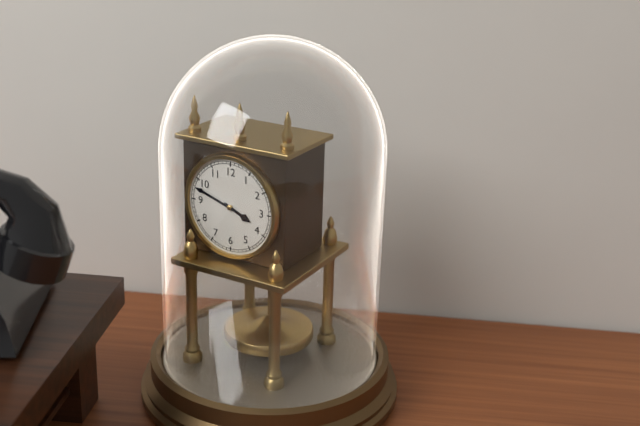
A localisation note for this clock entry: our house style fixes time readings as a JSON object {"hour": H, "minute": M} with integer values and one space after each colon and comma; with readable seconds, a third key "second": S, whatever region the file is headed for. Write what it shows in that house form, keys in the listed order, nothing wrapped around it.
{"hour": 3, "minute": 48}
